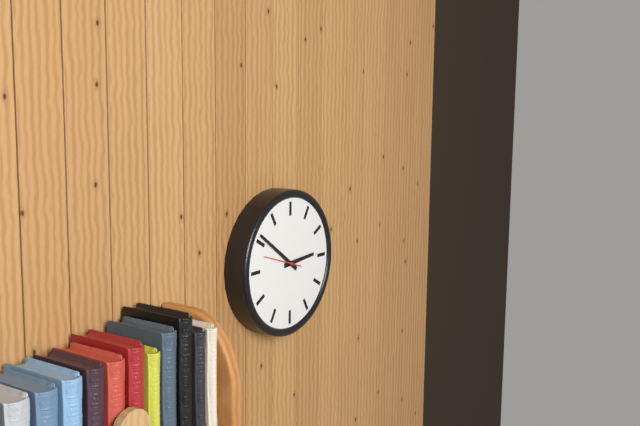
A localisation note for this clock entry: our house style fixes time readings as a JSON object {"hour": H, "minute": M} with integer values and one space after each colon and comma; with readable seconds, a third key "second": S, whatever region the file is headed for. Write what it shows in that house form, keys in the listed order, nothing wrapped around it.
{"hour": 2, "minute": 51}
